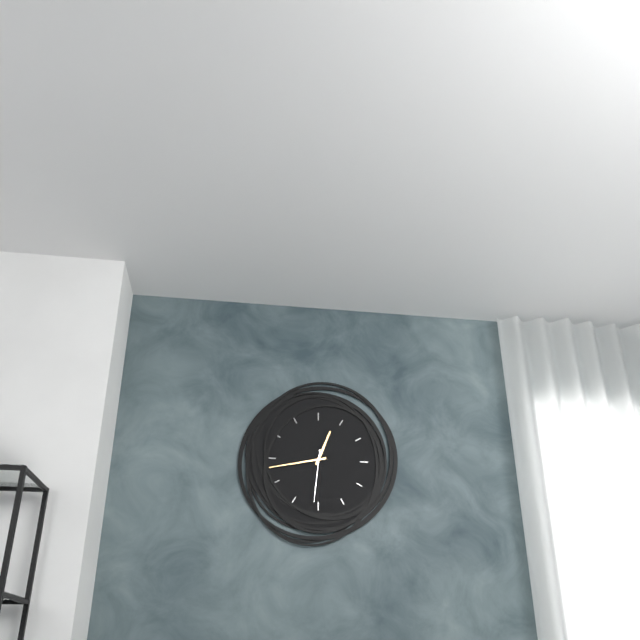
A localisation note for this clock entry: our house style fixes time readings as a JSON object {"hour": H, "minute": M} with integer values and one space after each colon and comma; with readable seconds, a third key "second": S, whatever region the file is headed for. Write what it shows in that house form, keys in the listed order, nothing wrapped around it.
{"hour": 12, "minute": 43, "second": 31}
